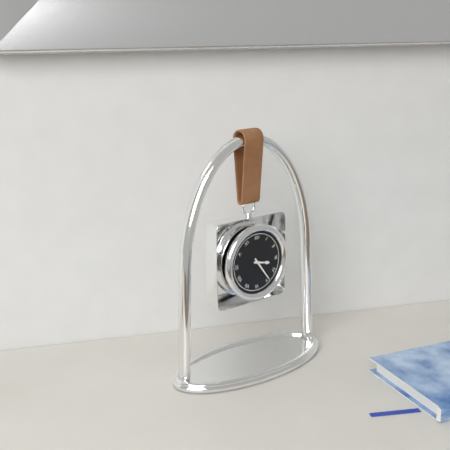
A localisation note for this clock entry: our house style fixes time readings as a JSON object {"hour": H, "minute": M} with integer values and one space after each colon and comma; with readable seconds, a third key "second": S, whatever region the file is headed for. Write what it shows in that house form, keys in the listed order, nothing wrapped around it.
{"hour": 3, "minute": 24}
